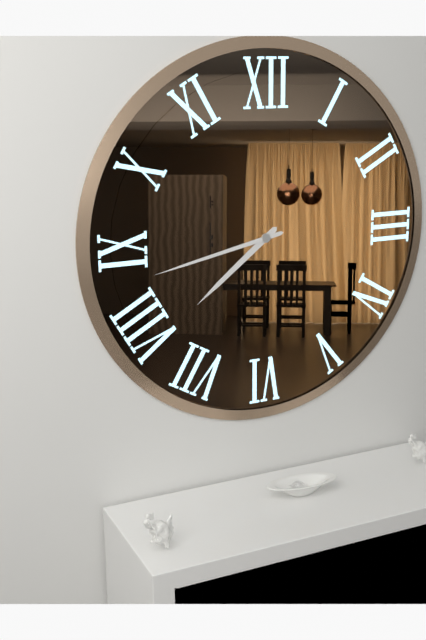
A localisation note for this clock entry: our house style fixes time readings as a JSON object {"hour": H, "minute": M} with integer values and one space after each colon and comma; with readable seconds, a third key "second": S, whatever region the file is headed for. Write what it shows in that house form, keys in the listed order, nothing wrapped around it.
{"hour": 7, "minute": 43}
